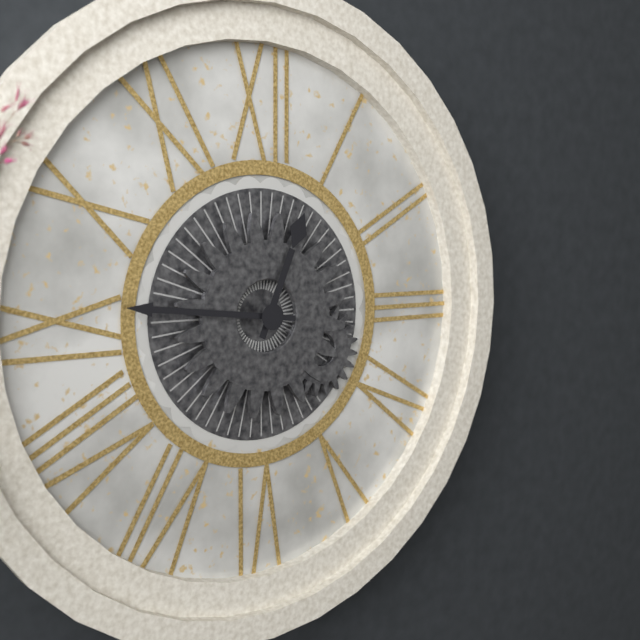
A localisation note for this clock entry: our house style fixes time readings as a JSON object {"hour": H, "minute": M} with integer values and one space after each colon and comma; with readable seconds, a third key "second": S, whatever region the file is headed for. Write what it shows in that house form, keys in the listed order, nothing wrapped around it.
{"hour": 12, "minute": 46}
